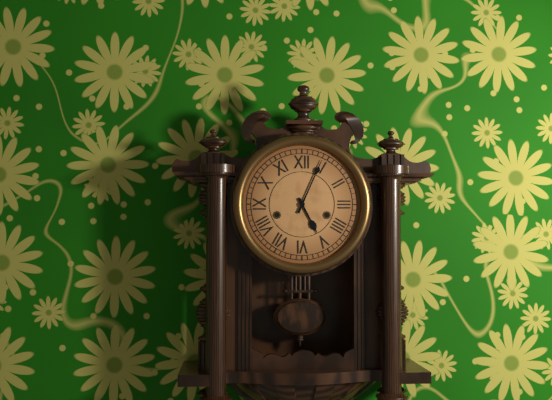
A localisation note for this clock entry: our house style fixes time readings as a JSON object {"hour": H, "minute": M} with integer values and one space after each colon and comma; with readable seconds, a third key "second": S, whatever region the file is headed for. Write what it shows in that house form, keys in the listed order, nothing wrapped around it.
{"hour": 5, "minute": 4}
